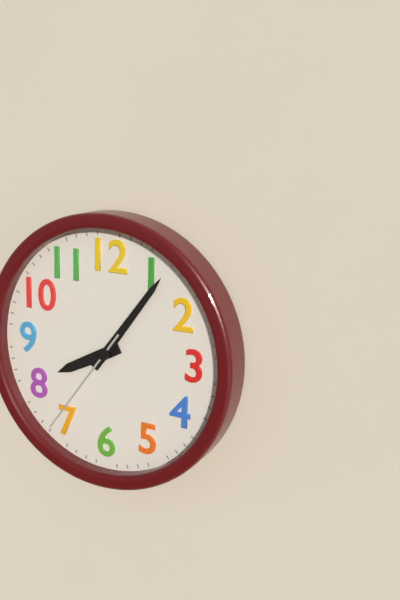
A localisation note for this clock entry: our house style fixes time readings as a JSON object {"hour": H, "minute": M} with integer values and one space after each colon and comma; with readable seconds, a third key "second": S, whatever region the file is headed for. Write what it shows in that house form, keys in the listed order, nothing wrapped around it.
{"hour": 8, "minute": 6, "second": 36}
